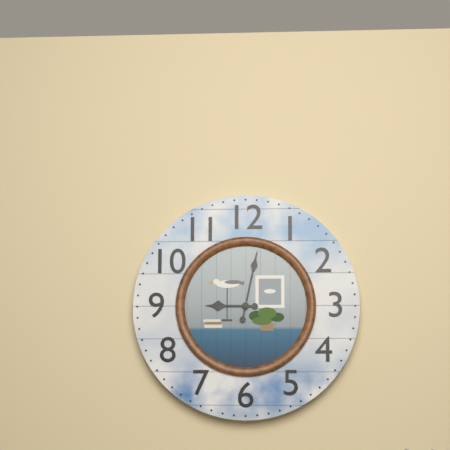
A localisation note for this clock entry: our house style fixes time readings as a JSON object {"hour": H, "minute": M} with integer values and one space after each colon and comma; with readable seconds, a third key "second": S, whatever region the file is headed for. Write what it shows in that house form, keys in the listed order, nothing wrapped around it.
{"hour": 9, "minute": 2}
